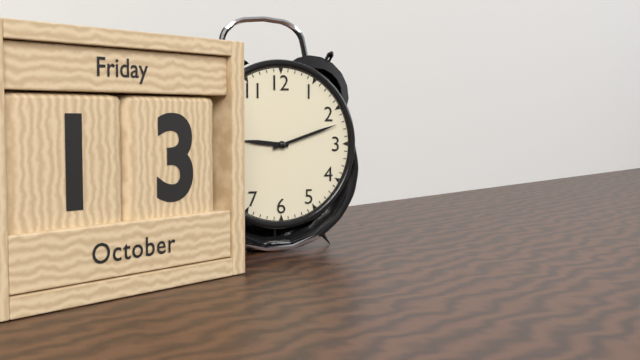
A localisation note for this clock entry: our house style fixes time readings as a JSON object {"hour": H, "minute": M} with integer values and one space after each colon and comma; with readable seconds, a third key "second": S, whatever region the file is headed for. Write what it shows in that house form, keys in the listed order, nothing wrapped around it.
{"hour": 9, "minute": 12}
